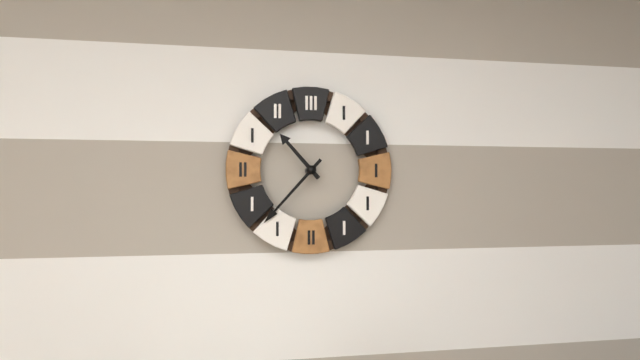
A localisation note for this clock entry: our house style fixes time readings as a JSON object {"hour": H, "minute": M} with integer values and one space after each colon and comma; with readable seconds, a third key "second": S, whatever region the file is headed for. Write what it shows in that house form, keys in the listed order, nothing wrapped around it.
{"hour": 10, "minute": 37}
